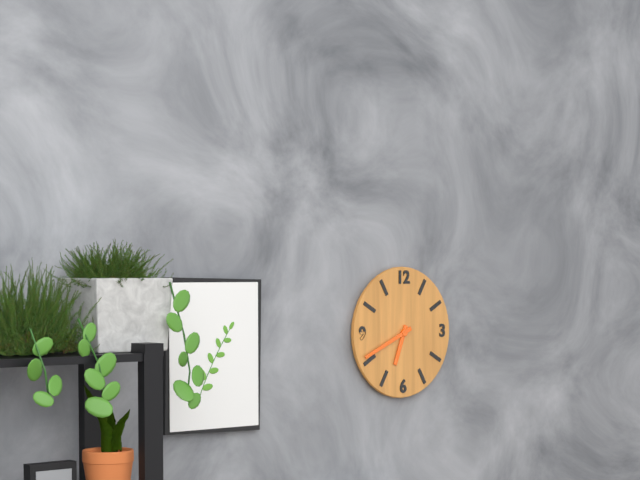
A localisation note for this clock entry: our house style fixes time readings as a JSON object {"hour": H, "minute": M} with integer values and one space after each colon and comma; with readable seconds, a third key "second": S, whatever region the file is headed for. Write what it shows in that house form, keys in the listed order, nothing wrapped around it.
{"hour": 6, "minute": 41}
